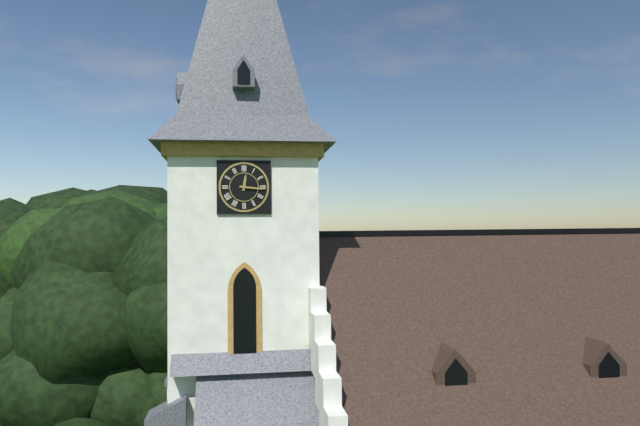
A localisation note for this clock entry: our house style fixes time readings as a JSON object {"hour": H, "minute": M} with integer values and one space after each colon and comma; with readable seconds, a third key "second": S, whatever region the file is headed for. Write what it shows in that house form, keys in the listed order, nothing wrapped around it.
{"hour": 12, "minute": 16}
